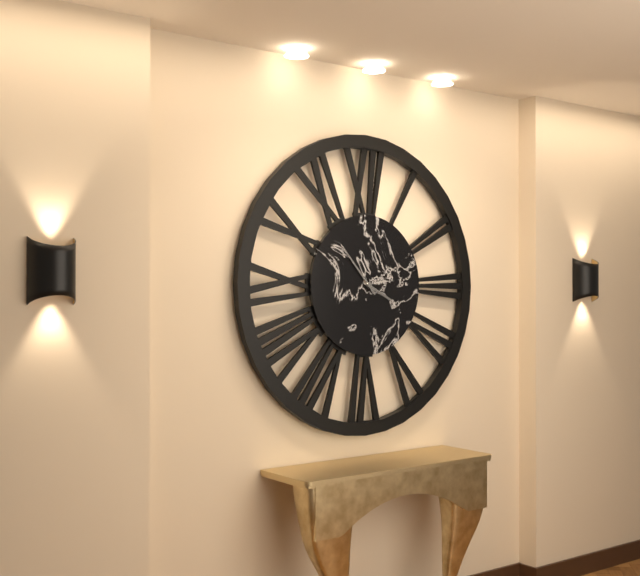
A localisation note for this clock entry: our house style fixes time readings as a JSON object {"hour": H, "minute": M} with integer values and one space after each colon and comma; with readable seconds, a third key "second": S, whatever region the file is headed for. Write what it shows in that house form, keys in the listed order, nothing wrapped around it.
{"hour": 3, "minute": 53}
